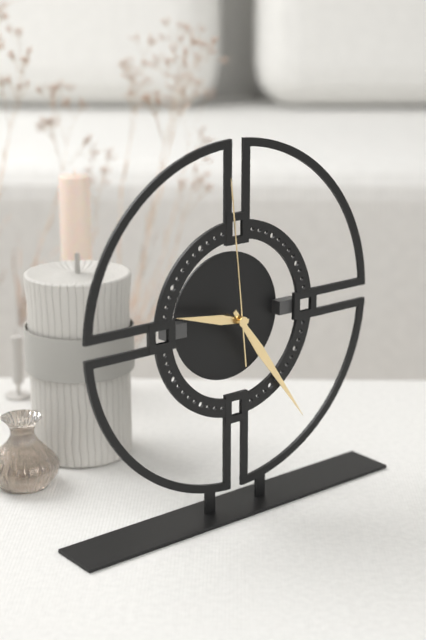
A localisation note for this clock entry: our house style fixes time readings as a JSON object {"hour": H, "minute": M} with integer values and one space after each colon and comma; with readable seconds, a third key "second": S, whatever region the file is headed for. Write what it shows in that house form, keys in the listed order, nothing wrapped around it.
{"hour": 9, "minute": 24, "second": 59}
